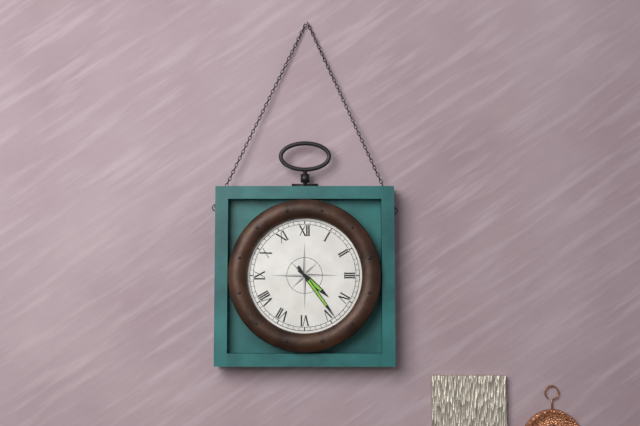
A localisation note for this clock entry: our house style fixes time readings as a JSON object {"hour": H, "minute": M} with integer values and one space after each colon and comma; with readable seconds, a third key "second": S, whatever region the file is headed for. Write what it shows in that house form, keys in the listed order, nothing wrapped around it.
{"hour": 4, "minute": 24}
